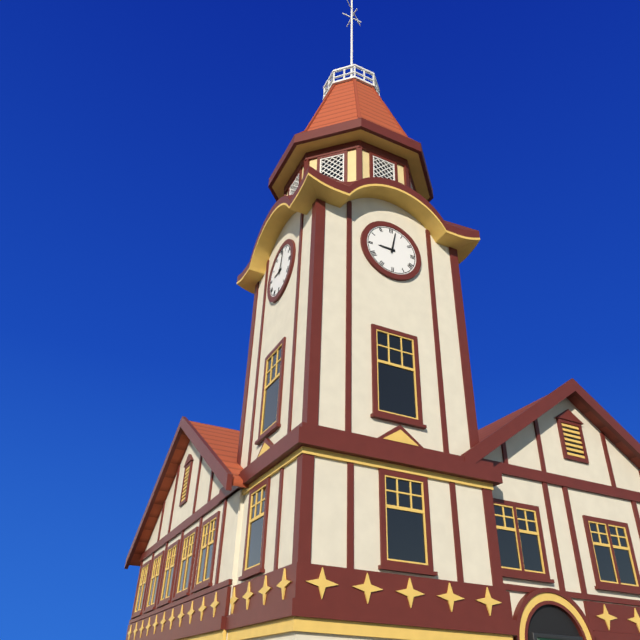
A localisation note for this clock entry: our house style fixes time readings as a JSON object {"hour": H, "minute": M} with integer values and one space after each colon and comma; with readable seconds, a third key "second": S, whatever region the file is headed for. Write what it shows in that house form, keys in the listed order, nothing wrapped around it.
{"hour": 9, "minute": 2}
